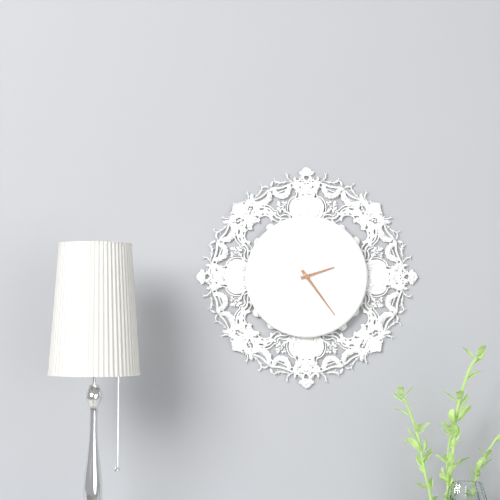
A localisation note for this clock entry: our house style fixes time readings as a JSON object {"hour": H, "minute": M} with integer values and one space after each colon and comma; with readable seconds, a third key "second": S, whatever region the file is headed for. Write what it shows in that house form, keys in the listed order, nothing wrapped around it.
{"hour": 2, "minute": 24}
